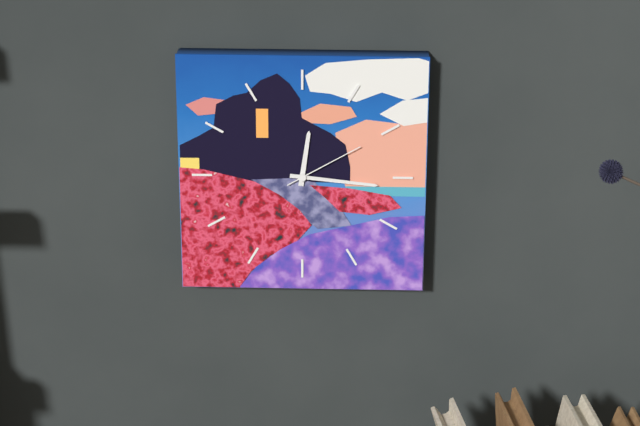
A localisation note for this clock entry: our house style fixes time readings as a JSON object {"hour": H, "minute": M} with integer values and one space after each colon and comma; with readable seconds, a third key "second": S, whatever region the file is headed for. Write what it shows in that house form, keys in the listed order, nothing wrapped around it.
{"hour": 12, "minute": 16, "second": 10}
